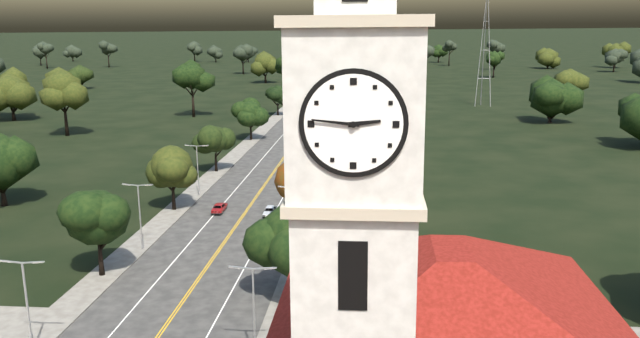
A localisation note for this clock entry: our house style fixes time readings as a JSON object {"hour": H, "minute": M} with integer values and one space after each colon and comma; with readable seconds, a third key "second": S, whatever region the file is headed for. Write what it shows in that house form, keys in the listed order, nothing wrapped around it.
{"hour": 2, "minute": 46}
